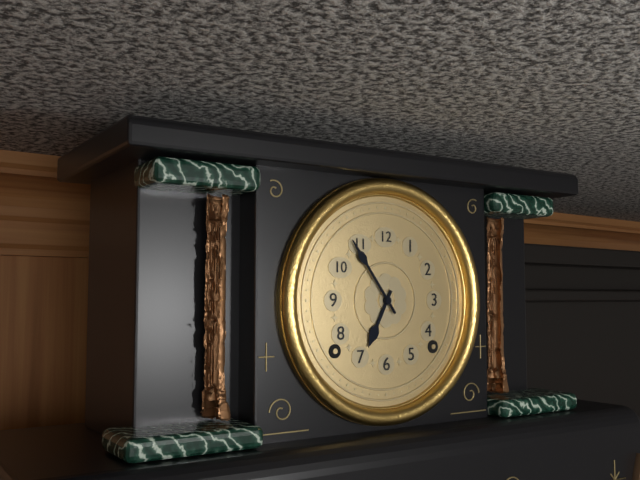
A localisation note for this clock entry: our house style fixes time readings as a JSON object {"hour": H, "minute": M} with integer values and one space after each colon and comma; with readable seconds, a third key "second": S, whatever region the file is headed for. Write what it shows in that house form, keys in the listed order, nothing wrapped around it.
{"hour": 6, "minute": 54}
